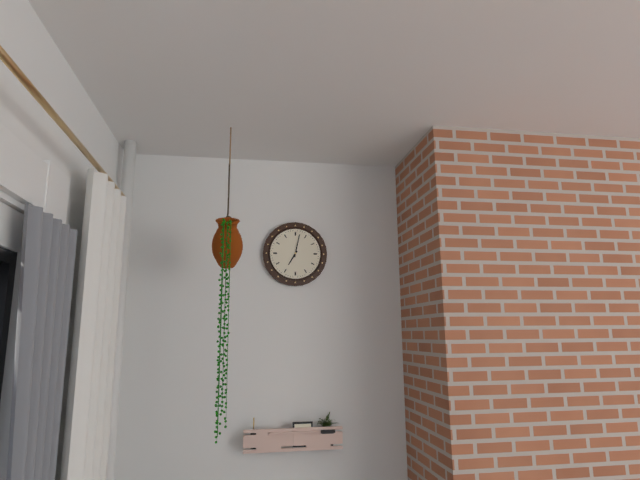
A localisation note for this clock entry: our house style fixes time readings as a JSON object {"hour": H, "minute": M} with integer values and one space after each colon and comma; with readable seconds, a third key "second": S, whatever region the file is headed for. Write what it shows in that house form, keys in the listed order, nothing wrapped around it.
{"hour": 7, "minute": 2}
